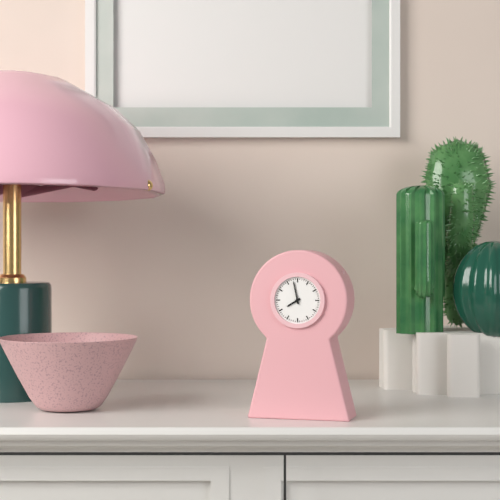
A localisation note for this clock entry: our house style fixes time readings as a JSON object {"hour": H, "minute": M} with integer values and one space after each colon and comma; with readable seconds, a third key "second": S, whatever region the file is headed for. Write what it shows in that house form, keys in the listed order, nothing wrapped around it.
{"hour": 7, "minute": 58}
